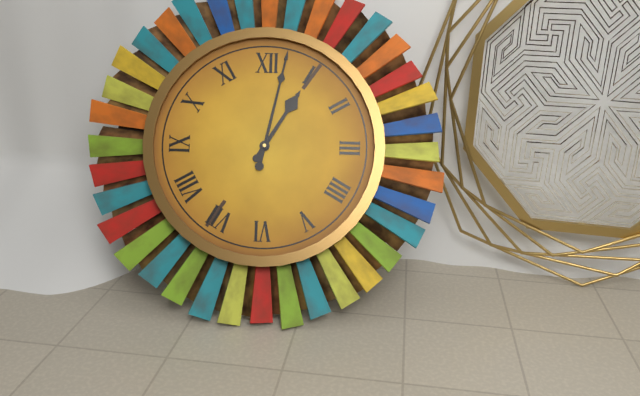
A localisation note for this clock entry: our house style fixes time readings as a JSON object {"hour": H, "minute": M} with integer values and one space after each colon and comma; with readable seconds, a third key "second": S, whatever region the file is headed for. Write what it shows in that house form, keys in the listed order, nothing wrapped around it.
{"hour": 1, "minute": 2}
